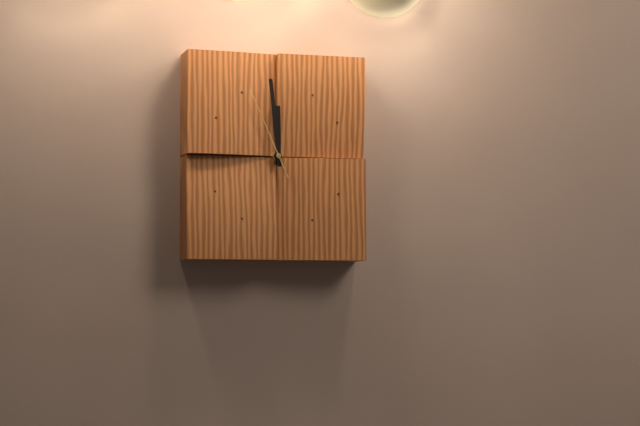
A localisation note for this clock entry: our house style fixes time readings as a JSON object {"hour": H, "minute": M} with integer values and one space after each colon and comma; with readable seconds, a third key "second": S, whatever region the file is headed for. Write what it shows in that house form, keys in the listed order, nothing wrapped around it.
{"hour": 11, "minute": 59, "second": 56}
